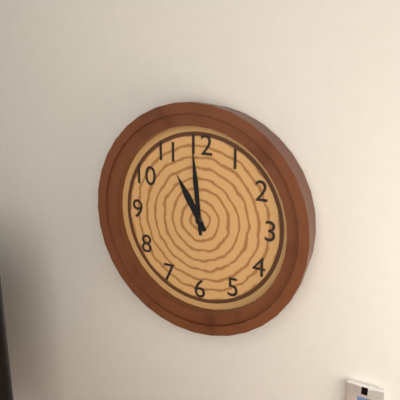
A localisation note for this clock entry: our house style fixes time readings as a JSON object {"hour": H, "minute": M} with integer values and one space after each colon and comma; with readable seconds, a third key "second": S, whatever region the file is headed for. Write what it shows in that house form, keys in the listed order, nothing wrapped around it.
{"hour": 10, "minute": 59}
